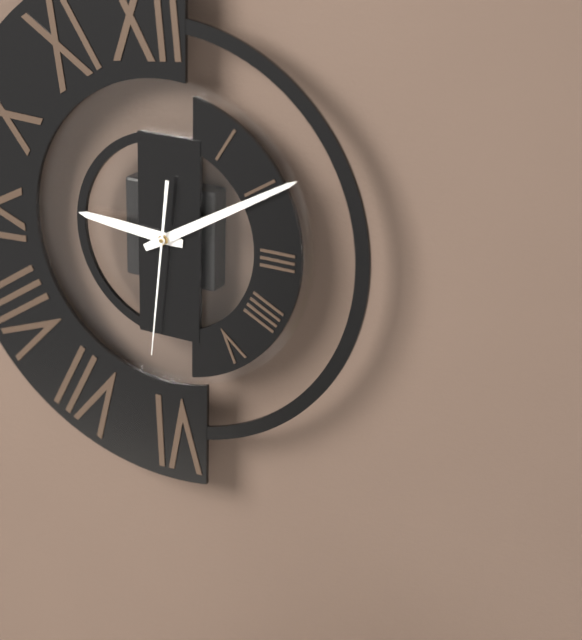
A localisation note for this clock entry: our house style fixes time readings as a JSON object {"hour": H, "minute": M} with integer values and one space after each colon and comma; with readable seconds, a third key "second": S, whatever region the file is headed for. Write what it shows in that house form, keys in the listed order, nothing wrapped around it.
{"hour": 9, "minute": 10, "second": 31}
